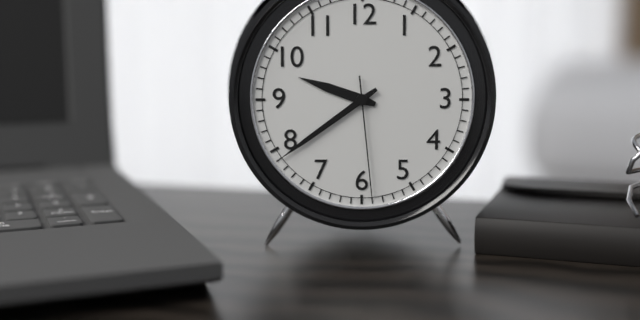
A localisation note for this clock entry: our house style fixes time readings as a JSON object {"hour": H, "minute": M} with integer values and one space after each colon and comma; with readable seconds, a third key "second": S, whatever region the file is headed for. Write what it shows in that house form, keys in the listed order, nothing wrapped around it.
{"hour": 9, "minute": 39, "second": 29}
